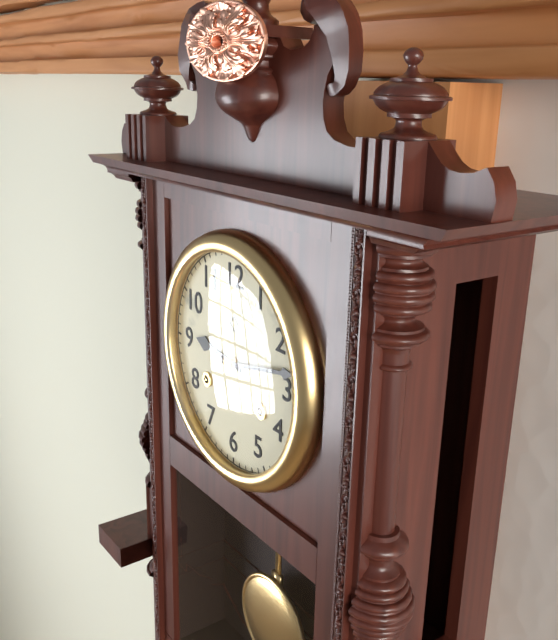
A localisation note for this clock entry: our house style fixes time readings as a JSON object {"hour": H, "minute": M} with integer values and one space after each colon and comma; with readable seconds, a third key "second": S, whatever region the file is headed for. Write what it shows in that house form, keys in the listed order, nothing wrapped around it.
{"hour": 9, "minute": 13}
